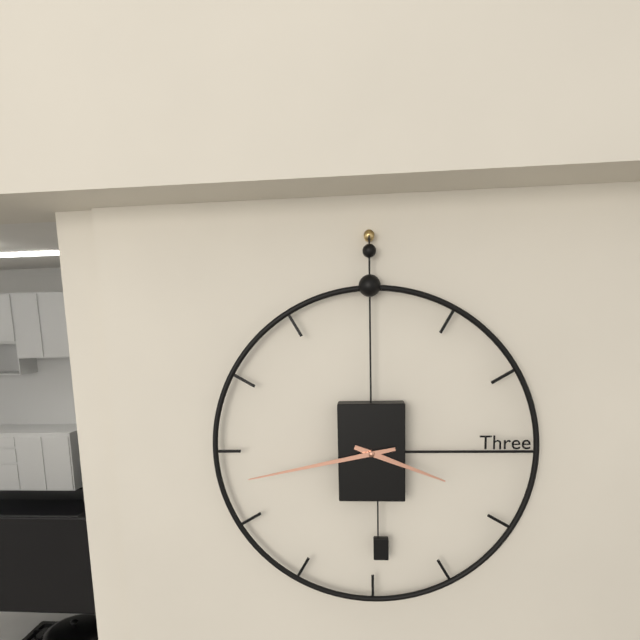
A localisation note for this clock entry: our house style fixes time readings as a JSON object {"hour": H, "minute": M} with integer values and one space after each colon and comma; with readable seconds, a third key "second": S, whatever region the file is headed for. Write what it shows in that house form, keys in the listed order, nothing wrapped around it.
{"hour": 3, "minute": 43}
